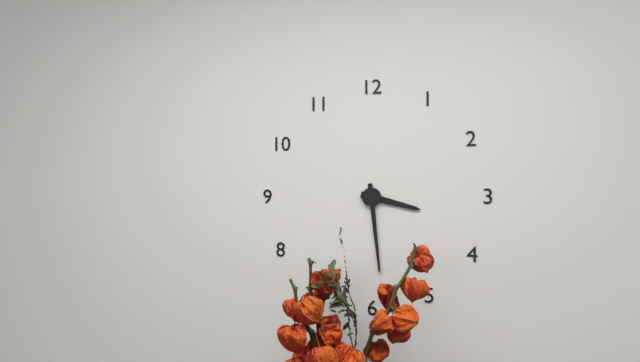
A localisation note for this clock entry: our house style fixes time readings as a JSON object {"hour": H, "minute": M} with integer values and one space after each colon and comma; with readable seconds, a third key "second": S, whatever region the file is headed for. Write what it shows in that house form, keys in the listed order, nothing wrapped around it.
{"hour": 3, "minute": 29}
